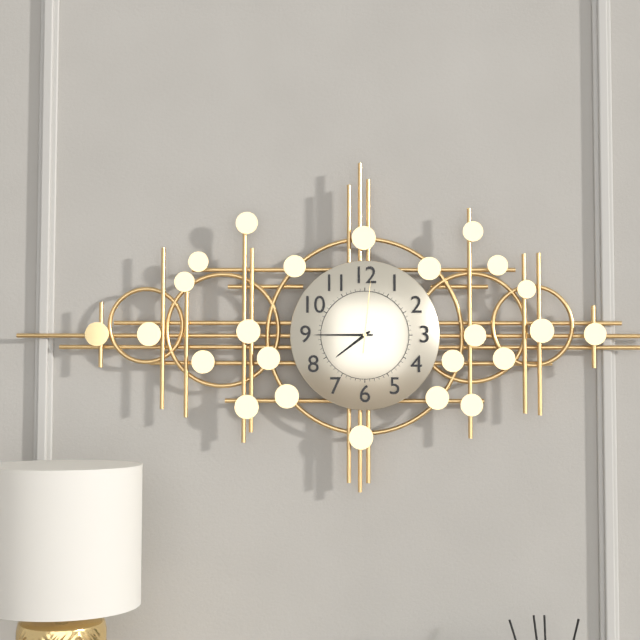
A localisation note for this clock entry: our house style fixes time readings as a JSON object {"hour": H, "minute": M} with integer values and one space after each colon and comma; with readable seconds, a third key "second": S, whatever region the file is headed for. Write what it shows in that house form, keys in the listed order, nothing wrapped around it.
{"hour": 7, "minute": 45, "second": 1}
